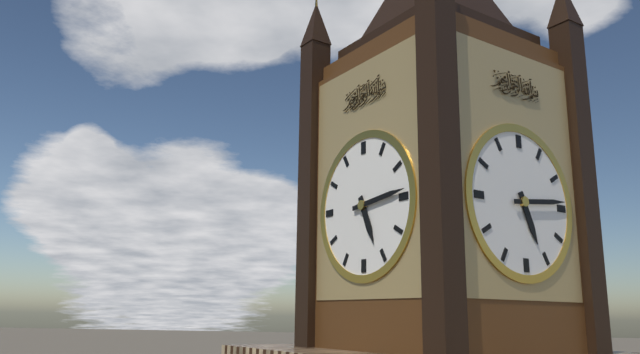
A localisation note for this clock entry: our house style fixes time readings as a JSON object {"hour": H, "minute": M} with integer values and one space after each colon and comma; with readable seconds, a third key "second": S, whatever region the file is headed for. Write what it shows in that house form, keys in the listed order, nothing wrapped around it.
{"hour": 5, "minute": 14}
